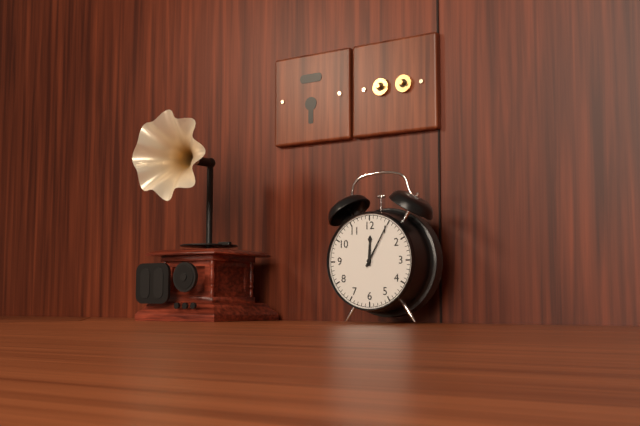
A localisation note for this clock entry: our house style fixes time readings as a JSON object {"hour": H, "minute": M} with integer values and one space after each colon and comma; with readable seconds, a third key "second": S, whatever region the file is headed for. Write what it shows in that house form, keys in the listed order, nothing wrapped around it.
{"hour": 12, "minute": 5}
